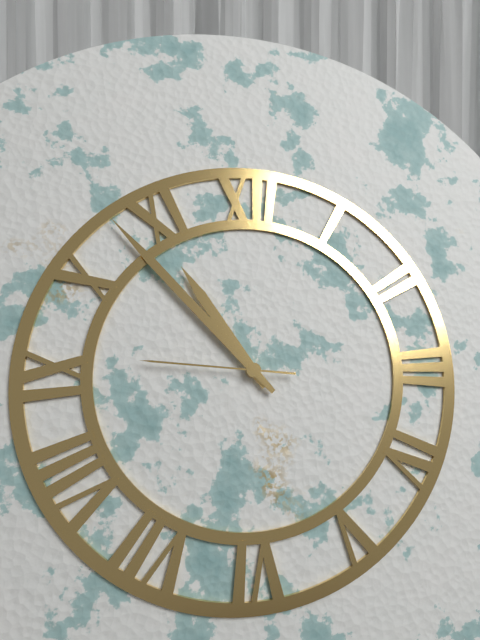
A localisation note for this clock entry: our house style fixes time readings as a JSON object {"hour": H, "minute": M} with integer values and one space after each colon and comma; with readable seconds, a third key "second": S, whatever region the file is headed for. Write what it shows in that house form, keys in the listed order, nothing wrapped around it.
{"hour": 10, "minute": 53, "second": 46}
